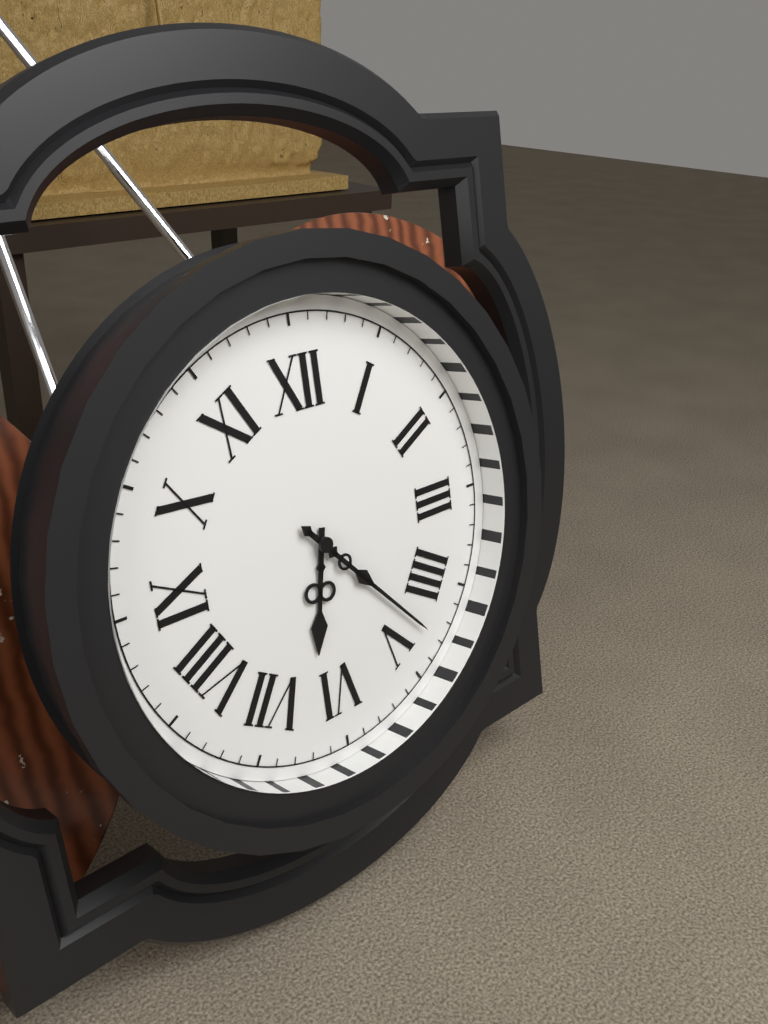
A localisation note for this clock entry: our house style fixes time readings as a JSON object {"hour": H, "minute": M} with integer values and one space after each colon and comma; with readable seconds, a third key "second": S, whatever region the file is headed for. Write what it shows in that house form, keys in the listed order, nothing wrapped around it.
{"hour": 6, "minute": 23}
